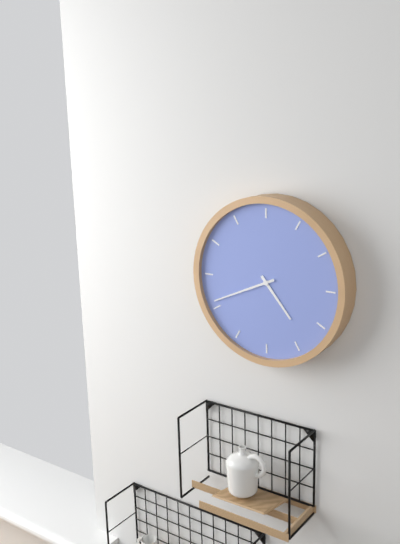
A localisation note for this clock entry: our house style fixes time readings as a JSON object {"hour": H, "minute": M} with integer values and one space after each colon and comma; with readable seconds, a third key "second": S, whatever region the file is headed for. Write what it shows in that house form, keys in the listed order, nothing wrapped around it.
{"hour": 4, "minute": 41}
